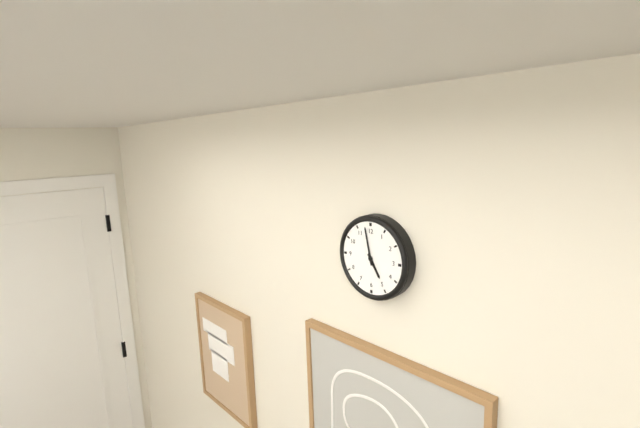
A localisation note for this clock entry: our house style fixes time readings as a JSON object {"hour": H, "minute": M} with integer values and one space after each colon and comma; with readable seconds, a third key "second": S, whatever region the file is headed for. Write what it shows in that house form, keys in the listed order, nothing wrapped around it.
{"hour": 4, "minute": 58}
